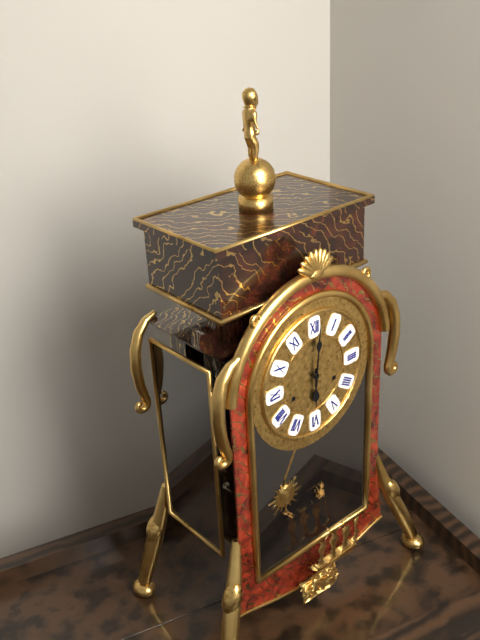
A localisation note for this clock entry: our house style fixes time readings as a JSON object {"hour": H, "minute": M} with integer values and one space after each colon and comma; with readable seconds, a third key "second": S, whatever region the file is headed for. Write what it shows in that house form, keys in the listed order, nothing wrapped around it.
{"hour": 6, "minute": 1}
